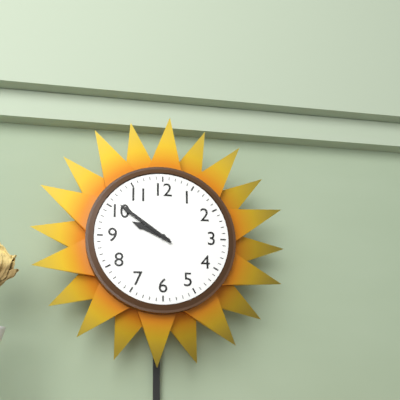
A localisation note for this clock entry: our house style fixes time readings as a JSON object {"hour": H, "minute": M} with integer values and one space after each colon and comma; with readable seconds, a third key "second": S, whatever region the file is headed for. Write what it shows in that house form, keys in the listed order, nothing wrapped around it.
{"hour": 9, "minute": 51}
